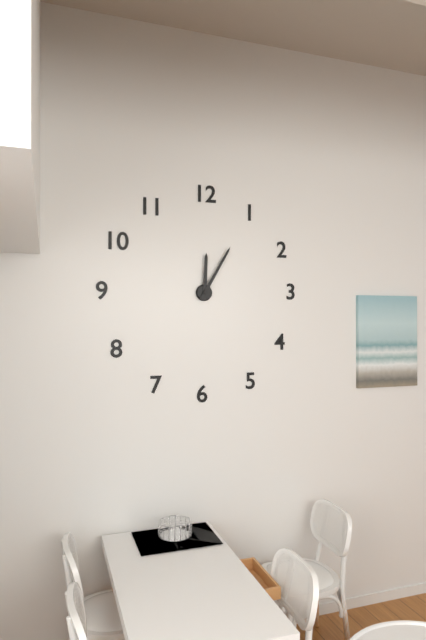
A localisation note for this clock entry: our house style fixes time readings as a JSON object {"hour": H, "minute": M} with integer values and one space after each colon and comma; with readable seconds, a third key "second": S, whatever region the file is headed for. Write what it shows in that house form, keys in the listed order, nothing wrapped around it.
{"hour": 12, "minute": 5}
